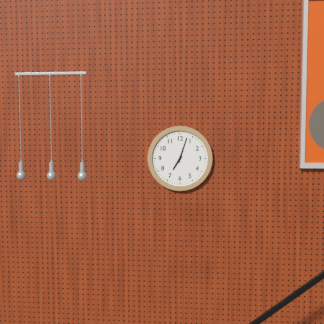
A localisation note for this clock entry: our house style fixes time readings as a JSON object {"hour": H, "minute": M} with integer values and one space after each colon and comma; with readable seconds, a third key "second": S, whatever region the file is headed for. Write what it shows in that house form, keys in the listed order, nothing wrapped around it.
{"hour": 7, "minute": 3}
